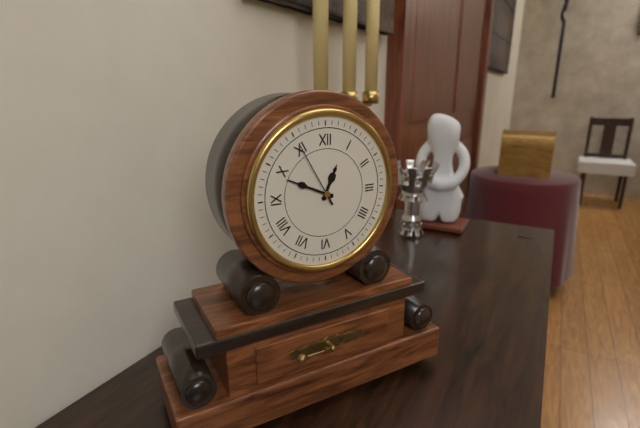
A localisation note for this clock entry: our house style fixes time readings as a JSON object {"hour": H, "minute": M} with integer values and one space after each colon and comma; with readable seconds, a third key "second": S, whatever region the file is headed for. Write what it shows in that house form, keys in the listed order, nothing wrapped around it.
{"hour": 12, "minute": 49, "second": 55}
